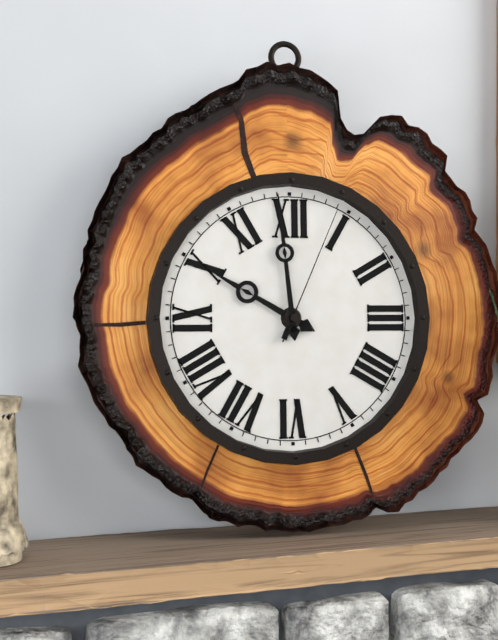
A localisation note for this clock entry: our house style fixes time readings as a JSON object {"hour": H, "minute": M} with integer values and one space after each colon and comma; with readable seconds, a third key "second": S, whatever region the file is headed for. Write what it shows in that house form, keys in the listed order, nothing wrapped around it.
{"hour": 9, "minute": 59, "second": 4}
